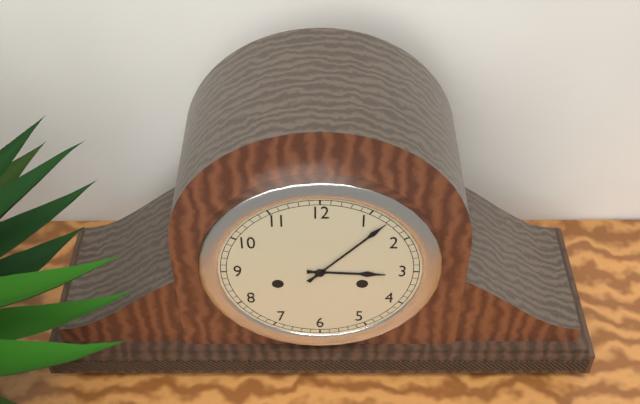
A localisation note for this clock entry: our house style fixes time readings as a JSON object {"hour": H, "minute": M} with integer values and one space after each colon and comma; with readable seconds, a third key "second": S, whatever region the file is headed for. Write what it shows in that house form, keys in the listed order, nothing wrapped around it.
{"hour": 3, "minute": 7}
